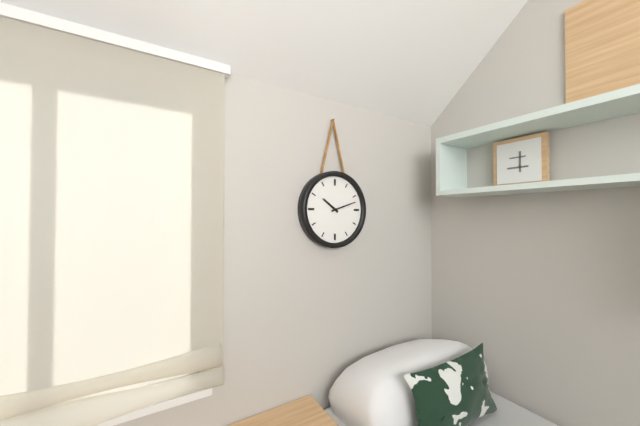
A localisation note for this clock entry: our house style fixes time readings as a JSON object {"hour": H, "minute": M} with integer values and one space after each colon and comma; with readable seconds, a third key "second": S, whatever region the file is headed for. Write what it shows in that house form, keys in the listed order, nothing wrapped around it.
{"hour": 10, "minute": 12}
